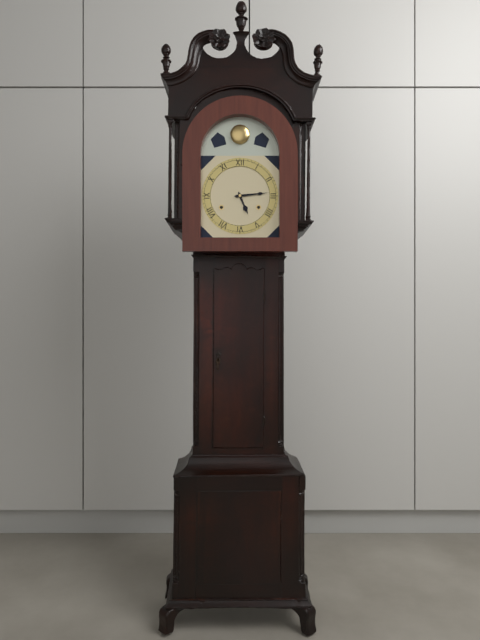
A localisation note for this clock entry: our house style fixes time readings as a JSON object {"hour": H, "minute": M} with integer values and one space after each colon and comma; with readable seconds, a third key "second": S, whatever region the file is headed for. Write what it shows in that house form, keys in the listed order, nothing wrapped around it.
{"hour": 5, "minute": 14}
